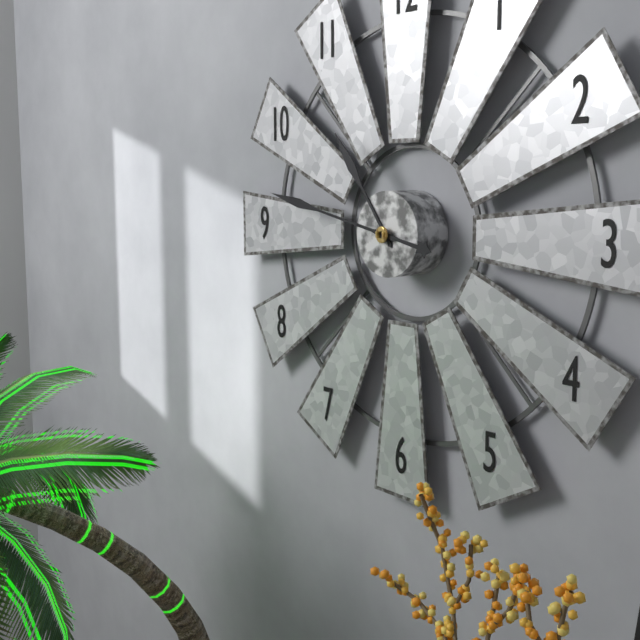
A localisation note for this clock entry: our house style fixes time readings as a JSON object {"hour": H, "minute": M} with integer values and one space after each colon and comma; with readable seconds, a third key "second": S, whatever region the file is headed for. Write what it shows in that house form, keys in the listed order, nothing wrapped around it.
{"hour": 10, "minute": 47}
